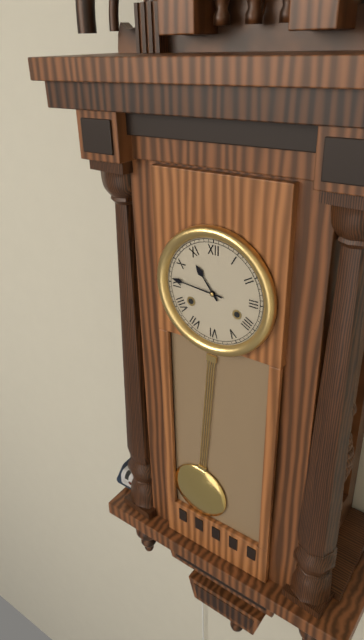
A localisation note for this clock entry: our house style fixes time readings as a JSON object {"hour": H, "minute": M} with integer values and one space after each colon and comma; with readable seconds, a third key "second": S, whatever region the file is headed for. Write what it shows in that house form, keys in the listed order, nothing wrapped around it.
{"hour": 10, "minute": 46}
